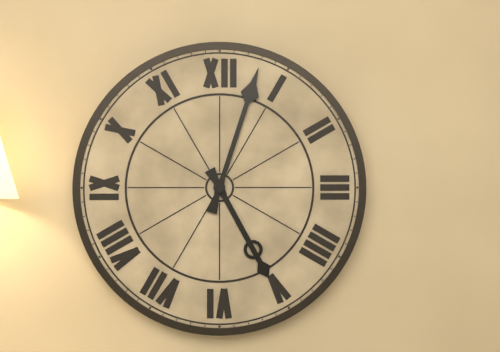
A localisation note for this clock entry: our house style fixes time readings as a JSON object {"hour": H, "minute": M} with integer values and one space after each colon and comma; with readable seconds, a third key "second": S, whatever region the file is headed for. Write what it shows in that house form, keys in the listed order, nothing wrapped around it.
{"hour": 5, "minute": 3}
